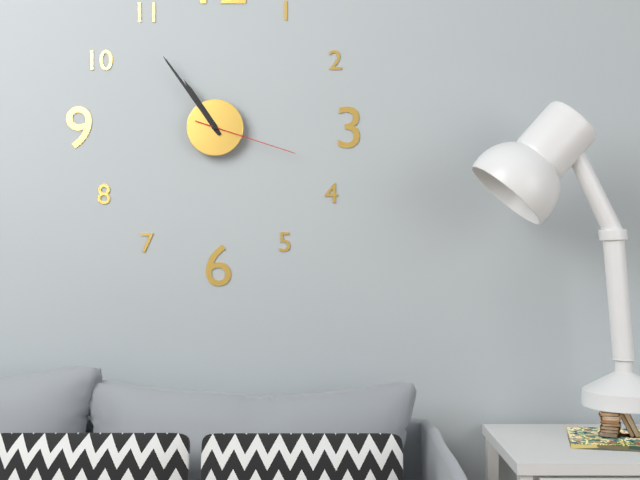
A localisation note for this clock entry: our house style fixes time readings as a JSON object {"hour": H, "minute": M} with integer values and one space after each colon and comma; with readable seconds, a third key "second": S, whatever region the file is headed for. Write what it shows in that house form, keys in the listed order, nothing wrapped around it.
{"hour": 10, "minute": 54, "second": 18}
